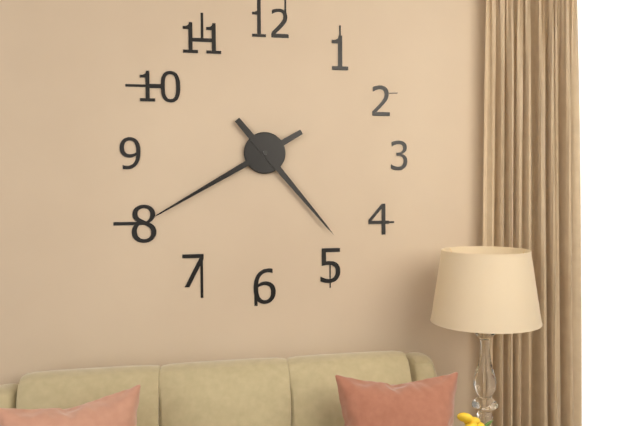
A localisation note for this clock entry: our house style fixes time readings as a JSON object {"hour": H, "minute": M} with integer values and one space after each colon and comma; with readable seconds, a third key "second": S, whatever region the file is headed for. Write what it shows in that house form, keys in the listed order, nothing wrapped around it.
{"hour": 4, "minute": 40}
